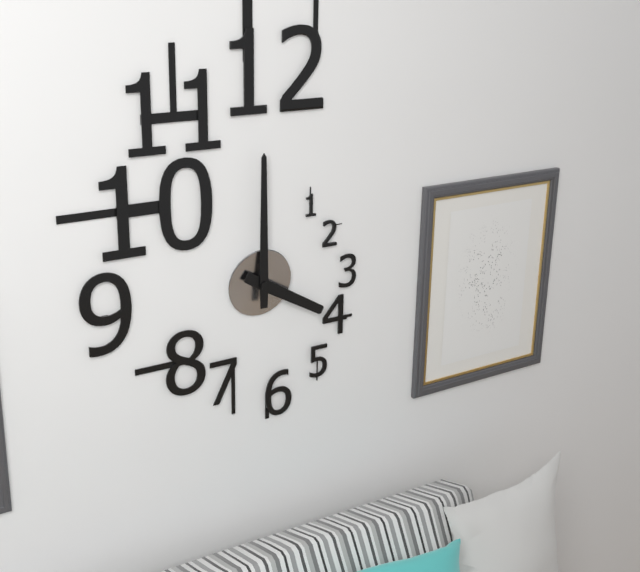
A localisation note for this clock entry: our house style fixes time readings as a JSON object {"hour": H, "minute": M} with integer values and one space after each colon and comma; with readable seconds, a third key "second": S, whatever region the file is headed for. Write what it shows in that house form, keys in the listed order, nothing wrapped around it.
{"hour": 4, "minute": 0}
